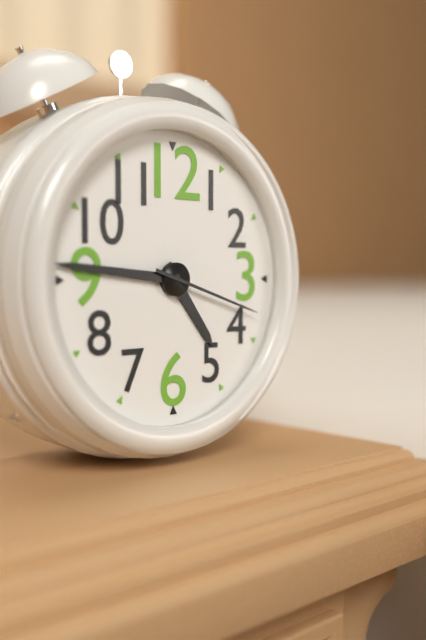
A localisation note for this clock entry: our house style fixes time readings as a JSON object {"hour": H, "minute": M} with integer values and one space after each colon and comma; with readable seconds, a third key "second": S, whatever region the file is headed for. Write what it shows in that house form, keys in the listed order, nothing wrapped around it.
{"hour": 4, "minute": 46, "second": 18}
